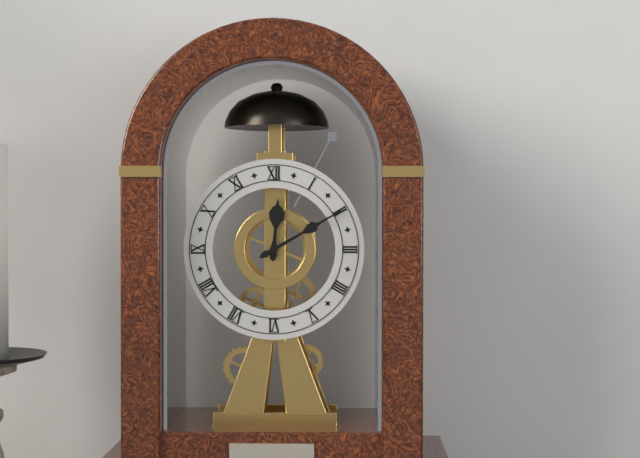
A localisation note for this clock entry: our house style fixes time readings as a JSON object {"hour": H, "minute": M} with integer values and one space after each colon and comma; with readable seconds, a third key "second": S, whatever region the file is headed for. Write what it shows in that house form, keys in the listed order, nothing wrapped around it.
{"hour": 12, "minute": 10}
